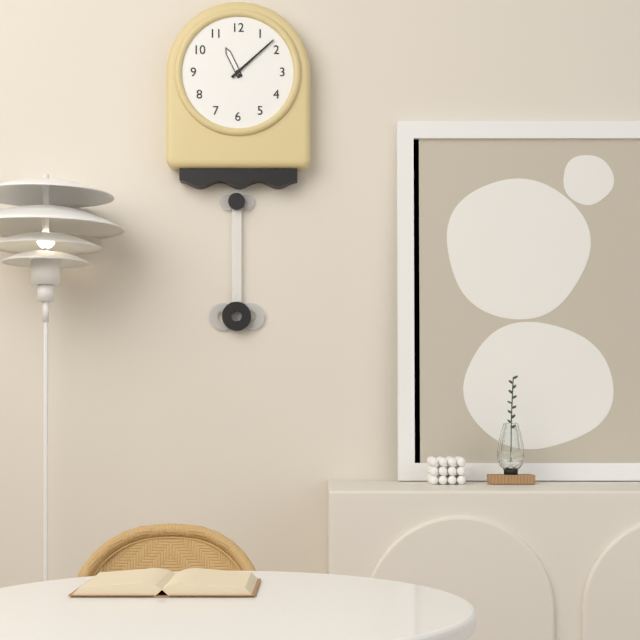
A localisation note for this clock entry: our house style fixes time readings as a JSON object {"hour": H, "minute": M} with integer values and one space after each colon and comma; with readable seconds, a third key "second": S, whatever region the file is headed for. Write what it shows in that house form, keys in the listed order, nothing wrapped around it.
{"hour": 11, "minute": 8}
